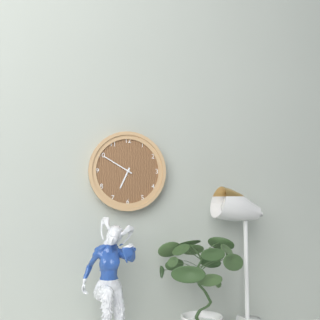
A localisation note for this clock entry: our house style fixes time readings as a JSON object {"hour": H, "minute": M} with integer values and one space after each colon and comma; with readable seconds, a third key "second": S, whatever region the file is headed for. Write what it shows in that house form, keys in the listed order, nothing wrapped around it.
{"hour": 6, "minute": 50}
